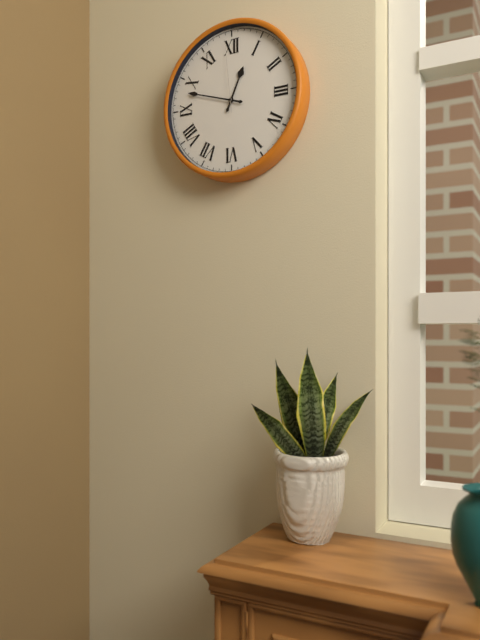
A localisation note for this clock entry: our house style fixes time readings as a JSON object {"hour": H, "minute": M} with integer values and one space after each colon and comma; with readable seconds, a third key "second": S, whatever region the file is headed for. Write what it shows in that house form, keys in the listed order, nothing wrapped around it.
{"hour": 12, "minute": 48, "second": 59}
